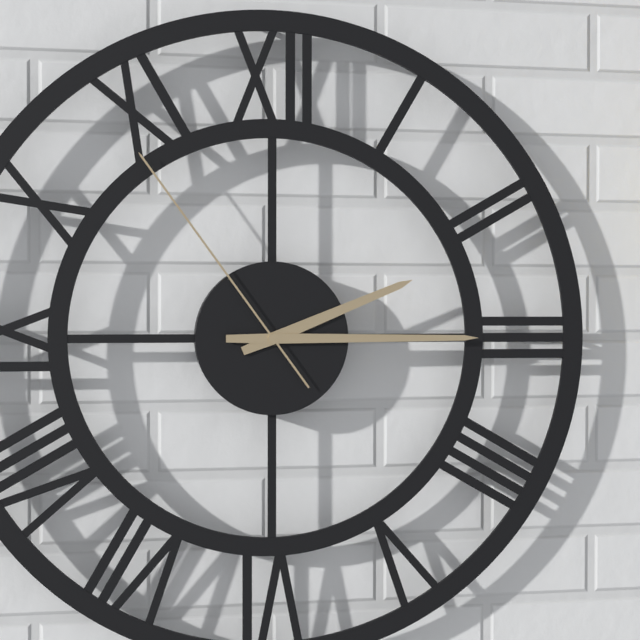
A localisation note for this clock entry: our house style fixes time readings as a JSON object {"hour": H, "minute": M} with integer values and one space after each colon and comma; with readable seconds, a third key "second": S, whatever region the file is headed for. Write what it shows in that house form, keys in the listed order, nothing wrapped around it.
{"hour": 2, "minute": 15, "second": 54}
